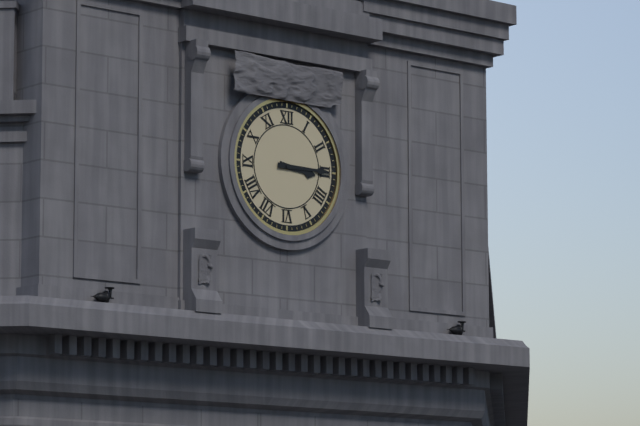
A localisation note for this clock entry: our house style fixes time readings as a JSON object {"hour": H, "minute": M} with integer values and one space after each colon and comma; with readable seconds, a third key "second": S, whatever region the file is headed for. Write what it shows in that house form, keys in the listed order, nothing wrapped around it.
{"hour": 3, "minute": 15}
